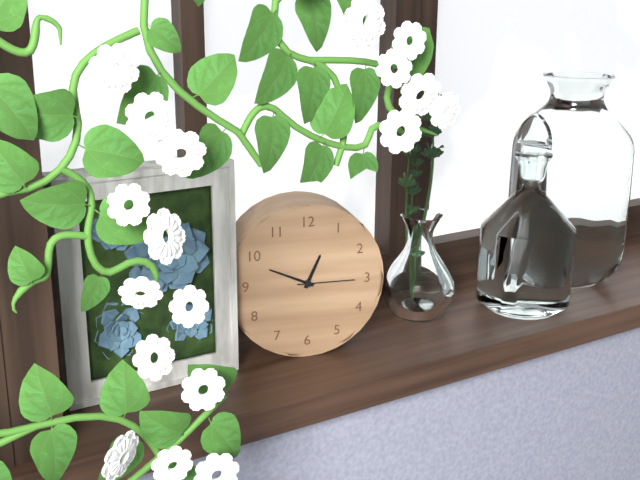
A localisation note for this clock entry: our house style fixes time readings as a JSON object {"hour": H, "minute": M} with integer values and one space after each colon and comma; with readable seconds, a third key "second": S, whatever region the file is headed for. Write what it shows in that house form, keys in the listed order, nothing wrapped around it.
{"hour": 12, "minute": 49, "second": 15}
